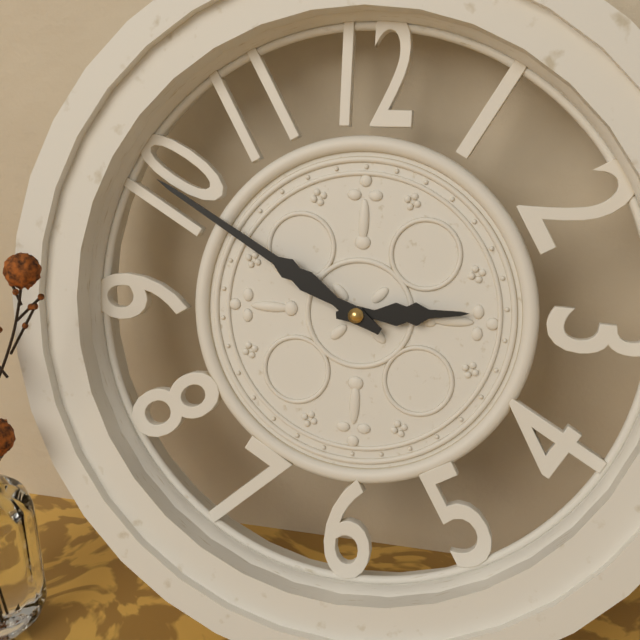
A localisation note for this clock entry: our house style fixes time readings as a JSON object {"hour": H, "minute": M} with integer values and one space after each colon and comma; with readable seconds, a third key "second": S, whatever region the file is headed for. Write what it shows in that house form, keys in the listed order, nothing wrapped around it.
{"hour": 2, "minute": 50}
